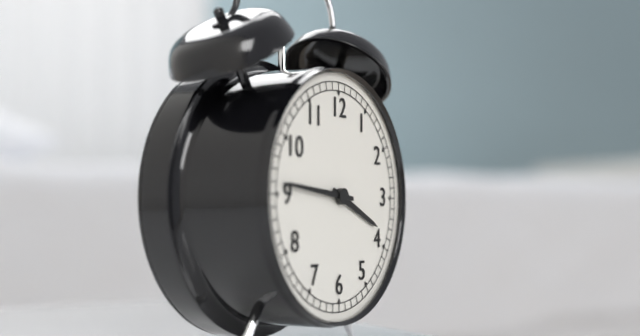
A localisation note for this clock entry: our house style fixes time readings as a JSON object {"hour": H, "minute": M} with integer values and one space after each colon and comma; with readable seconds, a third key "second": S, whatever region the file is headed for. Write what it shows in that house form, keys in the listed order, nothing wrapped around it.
{"hour": 3, "minute": 46}
